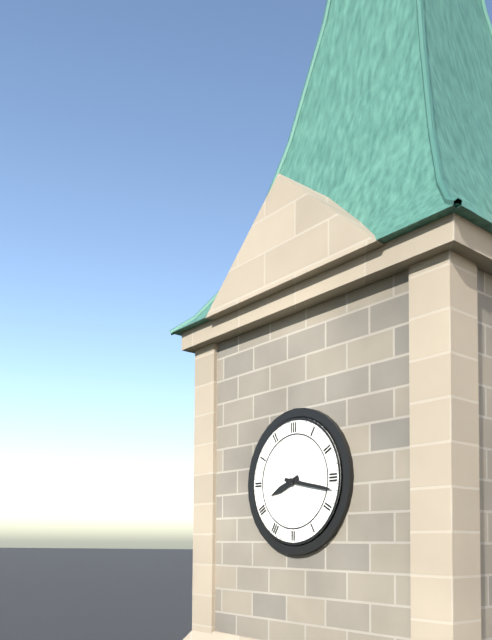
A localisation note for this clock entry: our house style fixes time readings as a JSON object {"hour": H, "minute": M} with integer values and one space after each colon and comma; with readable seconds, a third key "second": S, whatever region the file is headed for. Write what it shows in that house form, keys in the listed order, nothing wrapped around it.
{"hour": 8, "minute": 17}
